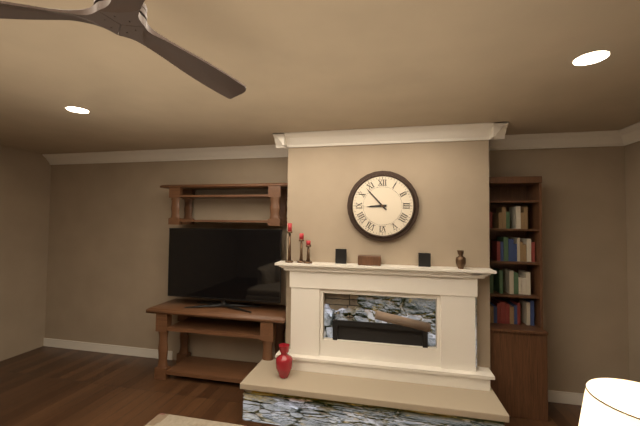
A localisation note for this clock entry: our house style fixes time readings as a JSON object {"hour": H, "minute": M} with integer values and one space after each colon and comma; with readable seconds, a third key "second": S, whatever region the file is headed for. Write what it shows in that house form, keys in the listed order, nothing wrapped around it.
{"hour": 8, "minute": 53}
